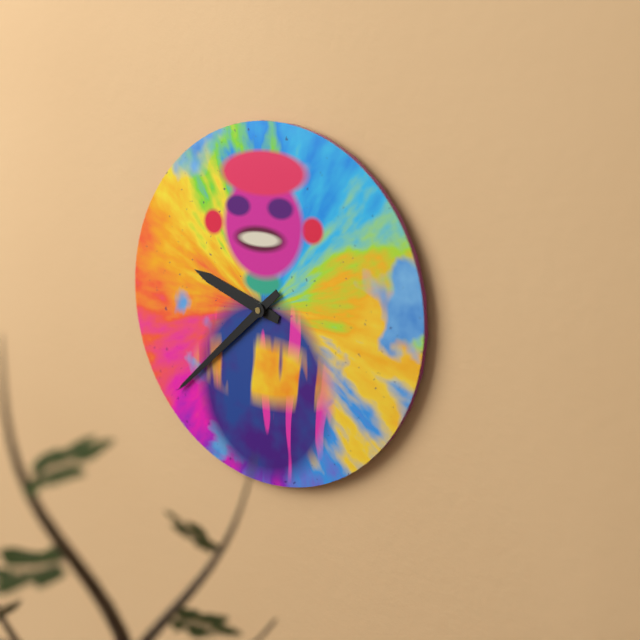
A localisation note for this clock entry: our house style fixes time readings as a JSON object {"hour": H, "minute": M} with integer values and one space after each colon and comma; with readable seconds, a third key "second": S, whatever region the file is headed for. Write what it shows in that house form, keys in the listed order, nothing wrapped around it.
{"hour": 9, "minute": 38}
